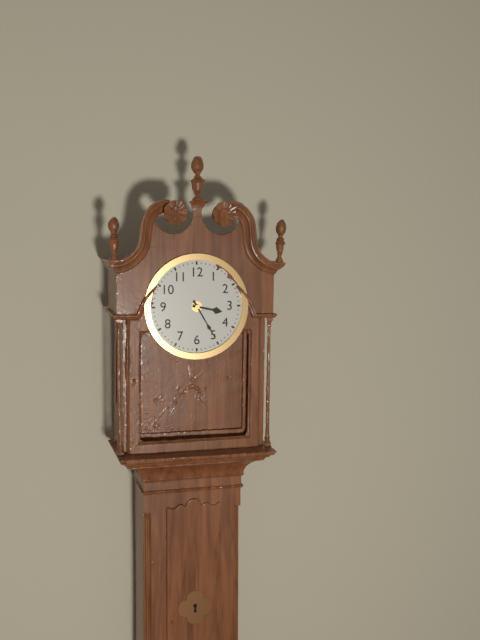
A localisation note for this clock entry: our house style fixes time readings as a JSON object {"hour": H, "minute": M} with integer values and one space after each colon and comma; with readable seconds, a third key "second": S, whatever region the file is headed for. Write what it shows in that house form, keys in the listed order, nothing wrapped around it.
{"hour": 3, "minute": 25}
